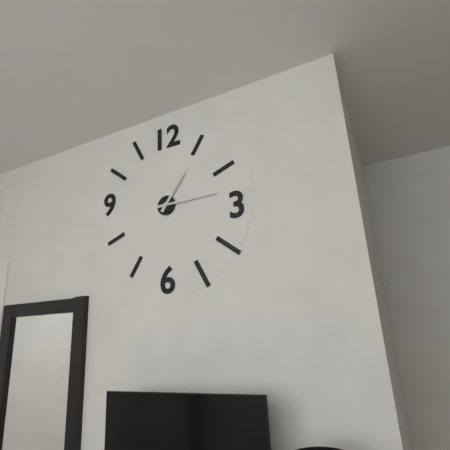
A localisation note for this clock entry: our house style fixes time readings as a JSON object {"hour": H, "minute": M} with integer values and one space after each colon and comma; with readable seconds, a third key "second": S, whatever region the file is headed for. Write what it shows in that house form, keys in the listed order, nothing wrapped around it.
{"hour": 1, "minute": 15}
